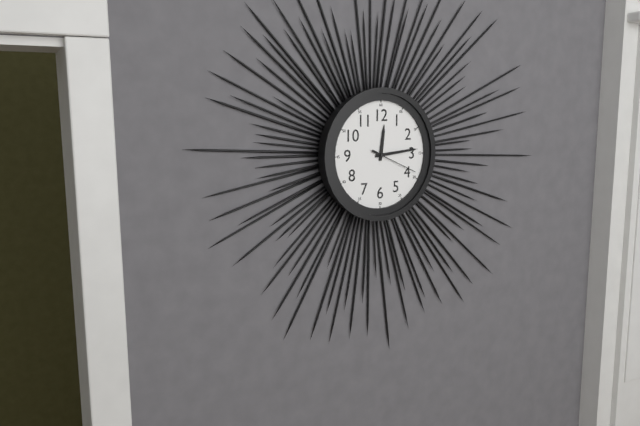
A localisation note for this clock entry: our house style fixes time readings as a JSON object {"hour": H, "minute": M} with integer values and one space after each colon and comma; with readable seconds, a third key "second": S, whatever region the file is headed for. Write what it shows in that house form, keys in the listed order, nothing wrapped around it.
{"hour": 12, "minute": 14}
